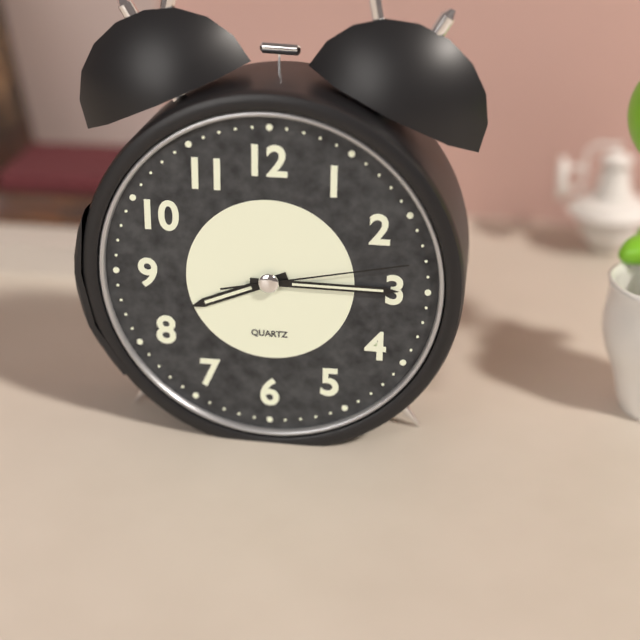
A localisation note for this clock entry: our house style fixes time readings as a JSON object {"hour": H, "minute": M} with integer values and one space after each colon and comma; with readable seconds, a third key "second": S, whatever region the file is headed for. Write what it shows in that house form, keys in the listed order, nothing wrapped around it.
{"hour": 8, "minute": 15, "second": 13}
